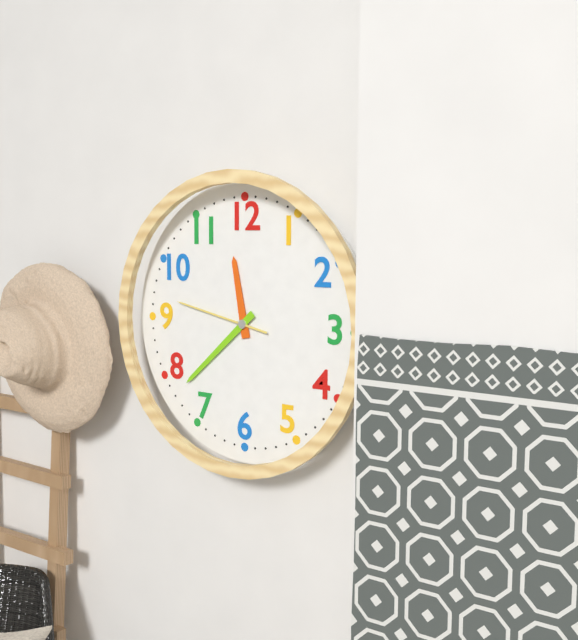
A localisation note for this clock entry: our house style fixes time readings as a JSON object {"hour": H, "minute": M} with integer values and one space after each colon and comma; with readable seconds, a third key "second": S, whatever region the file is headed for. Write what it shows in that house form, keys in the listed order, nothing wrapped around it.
{"hour": 11, "minute": 38, "second": 47}
